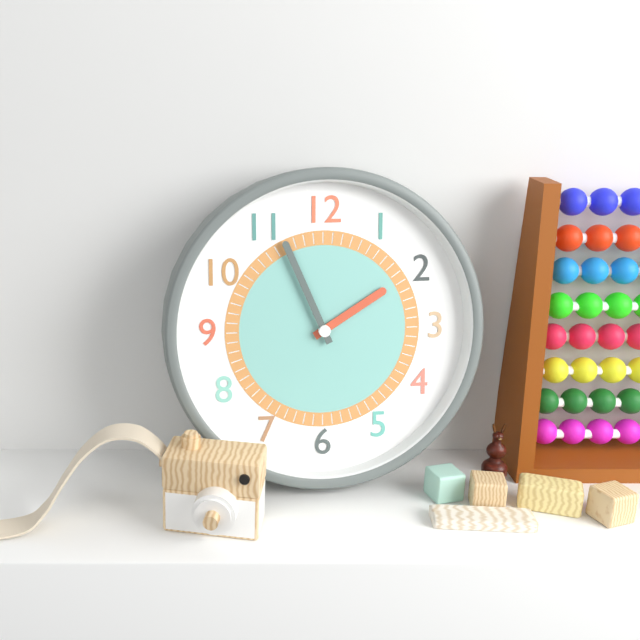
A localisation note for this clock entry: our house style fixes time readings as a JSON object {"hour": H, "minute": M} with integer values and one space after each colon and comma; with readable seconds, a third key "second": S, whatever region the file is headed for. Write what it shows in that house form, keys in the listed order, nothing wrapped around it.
{"hour": 1, "minute": 56}
